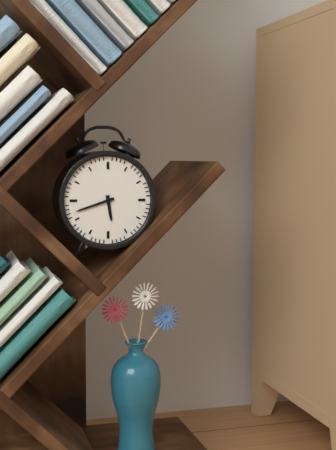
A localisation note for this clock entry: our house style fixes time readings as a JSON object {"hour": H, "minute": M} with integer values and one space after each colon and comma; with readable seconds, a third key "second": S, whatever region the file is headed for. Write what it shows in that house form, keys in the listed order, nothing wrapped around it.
{"hour": 5, "minute": 42}
